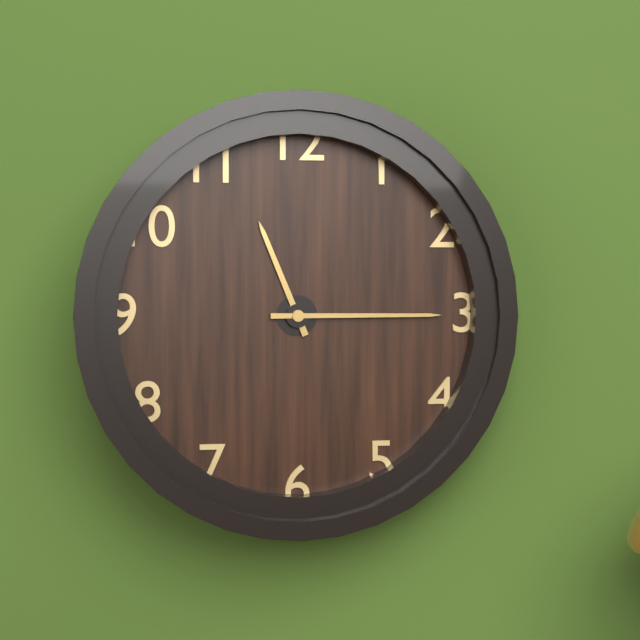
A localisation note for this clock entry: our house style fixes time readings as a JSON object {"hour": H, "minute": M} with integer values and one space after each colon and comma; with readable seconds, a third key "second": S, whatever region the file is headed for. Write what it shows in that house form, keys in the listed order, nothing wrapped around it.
{"hour": 11, "minute": 15}
